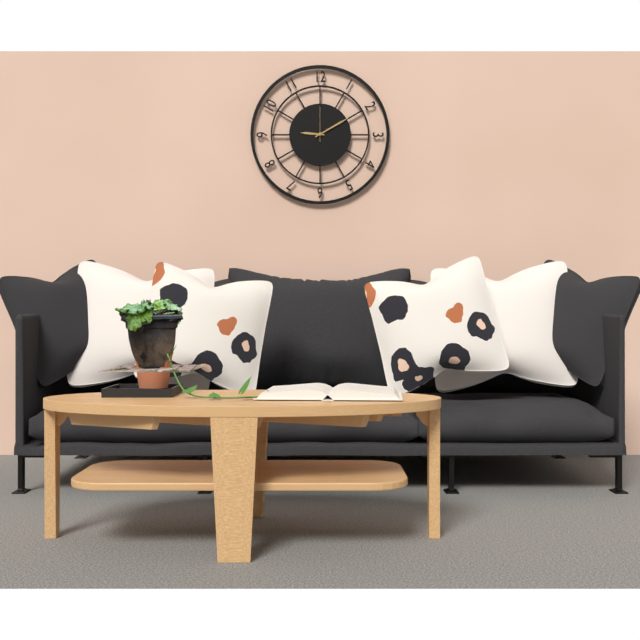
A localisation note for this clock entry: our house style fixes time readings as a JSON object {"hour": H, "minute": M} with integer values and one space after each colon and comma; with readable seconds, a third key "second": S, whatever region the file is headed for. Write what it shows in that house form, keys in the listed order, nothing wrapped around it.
{"hour": 9, "minute": 10}
